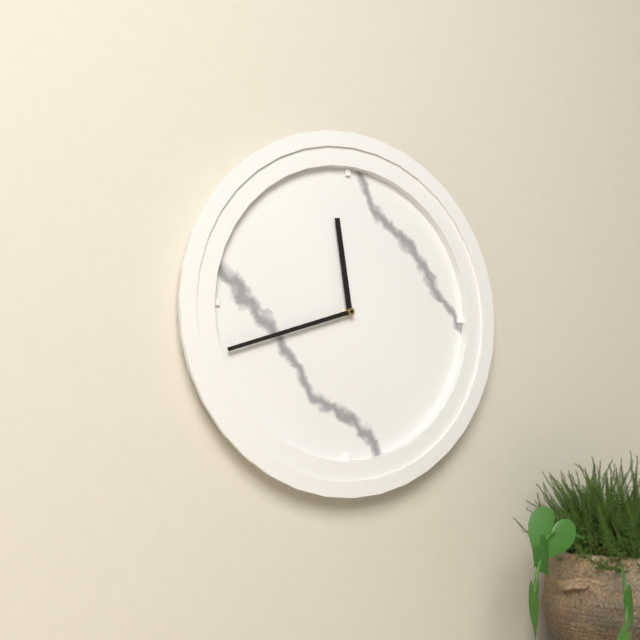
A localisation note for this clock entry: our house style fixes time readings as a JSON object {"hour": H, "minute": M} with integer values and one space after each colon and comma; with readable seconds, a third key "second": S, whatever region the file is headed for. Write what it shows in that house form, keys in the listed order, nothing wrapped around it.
{"hour": 11, "minute": 42}
